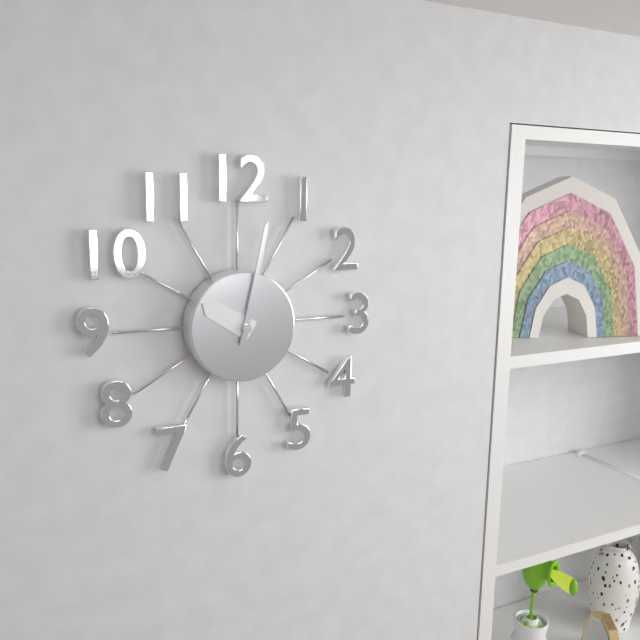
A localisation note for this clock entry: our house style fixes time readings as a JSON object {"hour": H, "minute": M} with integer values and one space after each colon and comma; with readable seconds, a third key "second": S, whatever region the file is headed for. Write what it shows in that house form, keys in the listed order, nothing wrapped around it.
{"hour": 10, "minute": 2}
